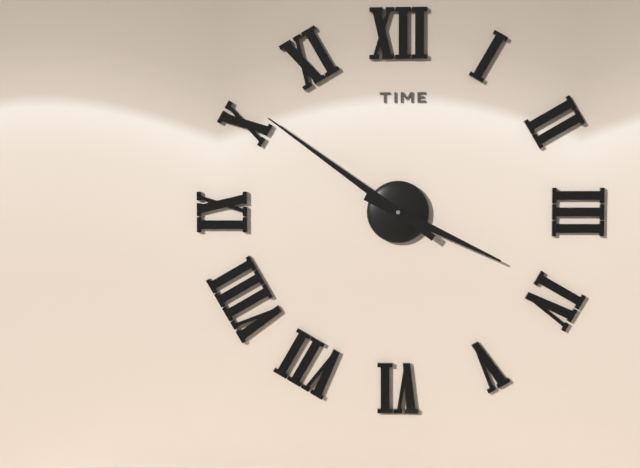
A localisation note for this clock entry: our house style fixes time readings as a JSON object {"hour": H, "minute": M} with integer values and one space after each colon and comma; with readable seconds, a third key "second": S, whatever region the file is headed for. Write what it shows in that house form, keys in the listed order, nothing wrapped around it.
{"hour": 3, "minute": 51}
